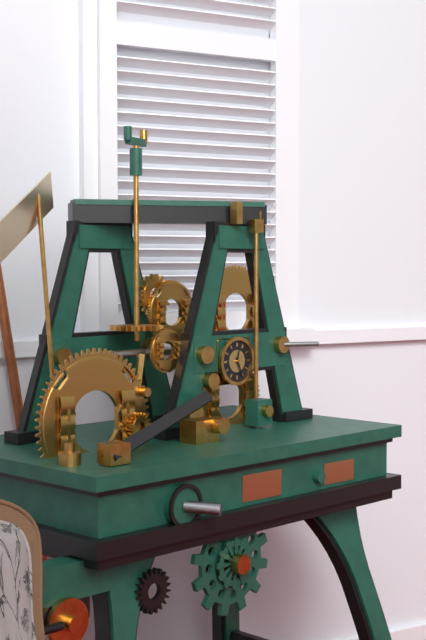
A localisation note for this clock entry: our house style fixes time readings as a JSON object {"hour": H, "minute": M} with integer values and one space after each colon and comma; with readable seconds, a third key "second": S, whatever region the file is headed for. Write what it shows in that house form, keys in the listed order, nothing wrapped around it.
{"hour": 12, "minute": 26}
